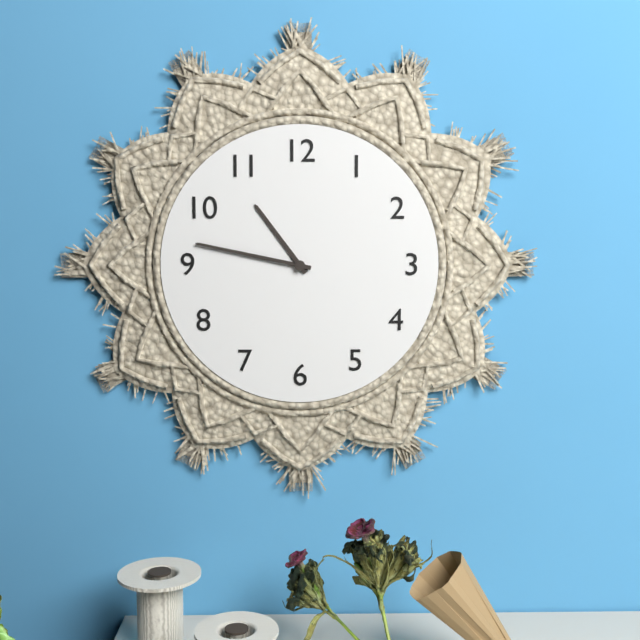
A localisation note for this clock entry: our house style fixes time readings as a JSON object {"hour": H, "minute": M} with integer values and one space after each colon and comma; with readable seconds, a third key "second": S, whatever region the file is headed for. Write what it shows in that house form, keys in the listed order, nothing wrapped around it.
{"hour": 10, "minute": 47}
